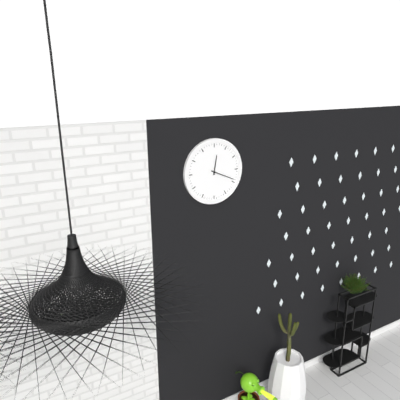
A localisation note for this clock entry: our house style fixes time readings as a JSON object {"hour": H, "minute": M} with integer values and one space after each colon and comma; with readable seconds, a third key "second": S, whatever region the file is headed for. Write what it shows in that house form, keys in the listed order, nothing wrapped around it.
{"hour": 12, "minute": 19}
